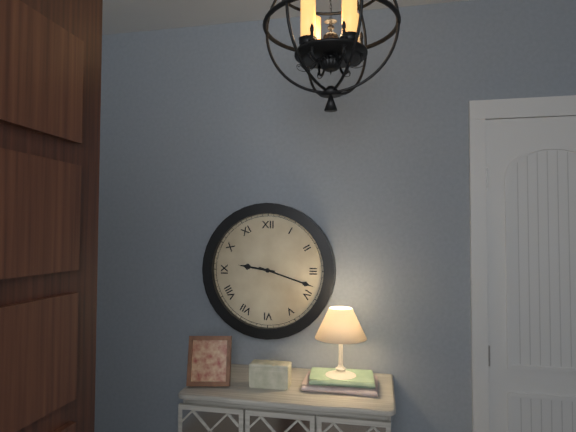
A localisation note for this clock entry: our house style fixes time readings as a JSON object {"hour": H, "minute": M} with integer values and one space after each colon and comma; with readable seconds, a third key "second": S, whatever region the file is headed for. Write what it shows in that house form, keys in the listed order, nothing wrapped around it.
{"hour": 9, "minute": 18}
